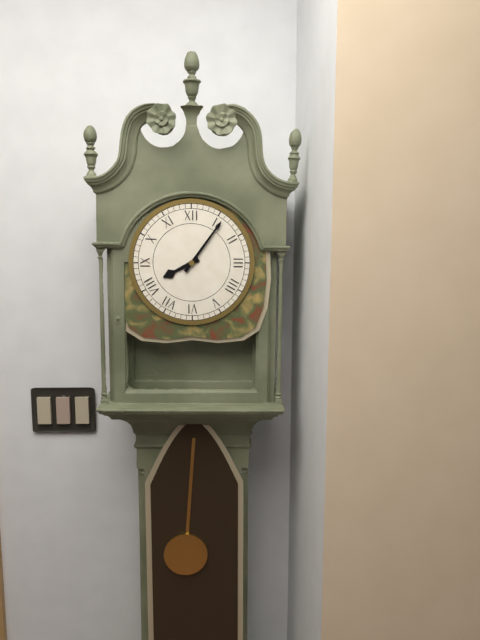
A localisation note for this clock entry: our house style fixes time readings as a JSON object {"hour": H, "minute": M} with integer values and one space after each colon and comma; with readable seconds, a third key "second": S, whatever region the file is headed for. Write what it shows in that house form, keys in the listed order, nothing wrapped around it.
{"hour": 8, "minute": 6}
